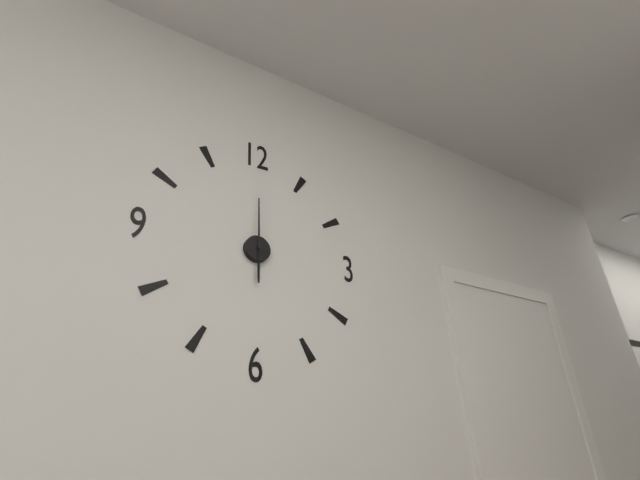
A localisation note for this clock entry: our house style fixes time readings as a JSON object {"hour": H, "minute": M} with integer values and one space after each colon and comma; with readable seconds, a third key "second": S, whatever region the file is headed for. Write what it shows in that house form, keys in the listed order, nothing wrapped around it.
{"hour": 6, "minute": 0}
